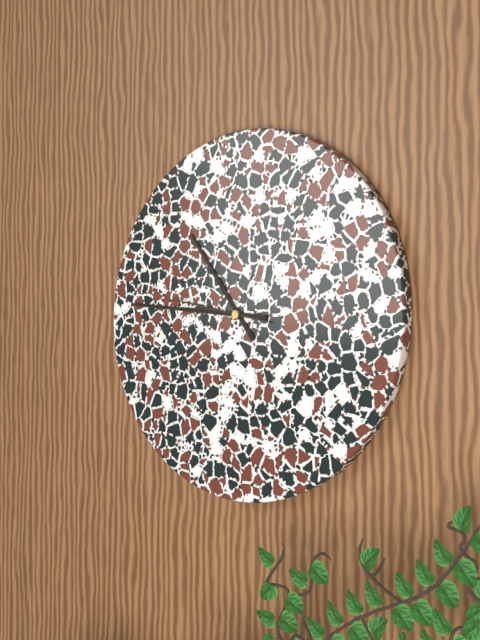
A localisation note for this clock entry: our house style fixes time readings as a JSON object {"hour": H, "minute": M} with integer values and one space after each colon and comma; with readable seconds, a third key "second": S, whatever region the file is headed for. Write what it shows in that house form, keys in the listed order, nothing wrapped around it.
{"hour": 10, "minute": 46, "second": 47}
